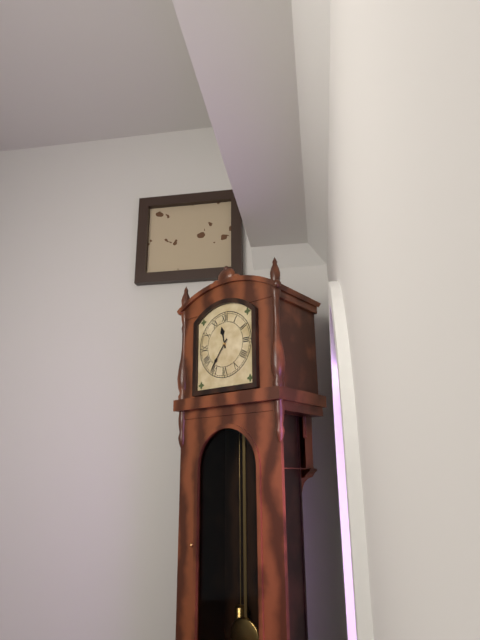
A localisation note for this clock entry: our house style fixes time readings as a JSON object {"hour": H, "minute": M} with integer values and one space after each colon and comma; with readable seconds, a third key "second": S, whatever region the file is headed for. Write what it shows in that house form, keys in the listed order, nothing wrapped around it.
{"hour": 11, "minute": 36}
